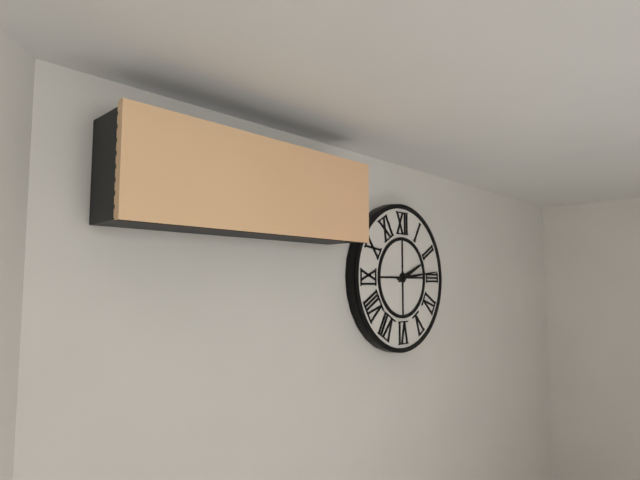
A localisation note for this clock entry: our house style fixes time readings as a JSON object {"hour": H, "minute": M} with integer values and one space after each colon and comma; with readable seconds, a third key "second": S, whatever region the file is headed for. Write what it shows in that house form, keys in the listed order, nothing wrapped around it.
{"hour": 2, "minute": 14}
